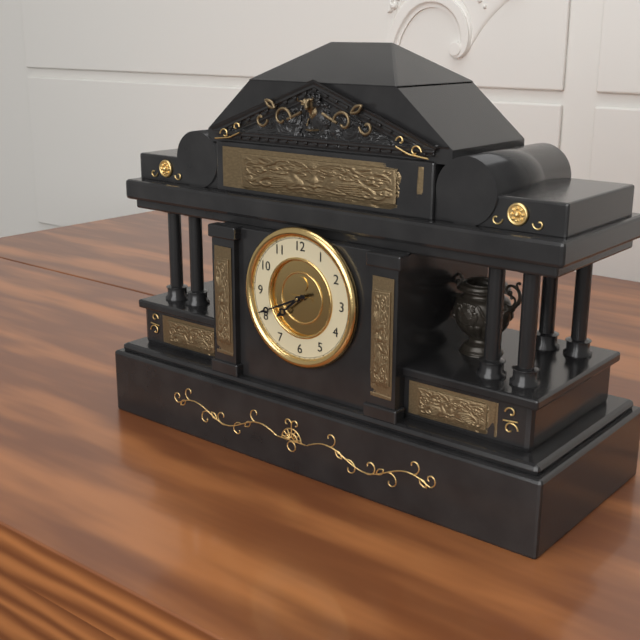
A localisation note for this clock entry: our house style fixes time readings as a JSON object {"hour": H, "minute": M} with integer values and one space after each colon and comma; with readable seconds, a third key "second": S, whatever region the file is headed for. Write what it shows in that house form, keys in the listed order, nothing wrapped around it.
{"hour": 7, "minute": 41}
